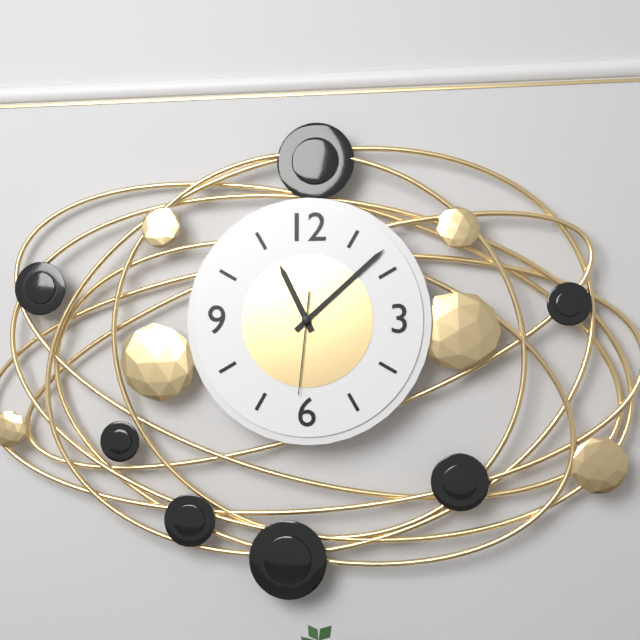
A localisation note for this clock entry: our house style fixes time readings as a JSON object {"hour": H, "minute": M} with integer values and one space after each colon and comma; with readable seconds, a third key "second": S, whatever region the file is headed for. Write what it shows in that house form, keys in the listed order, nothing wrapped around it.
{"hour": 11, "minute": 8, "second": 31}
